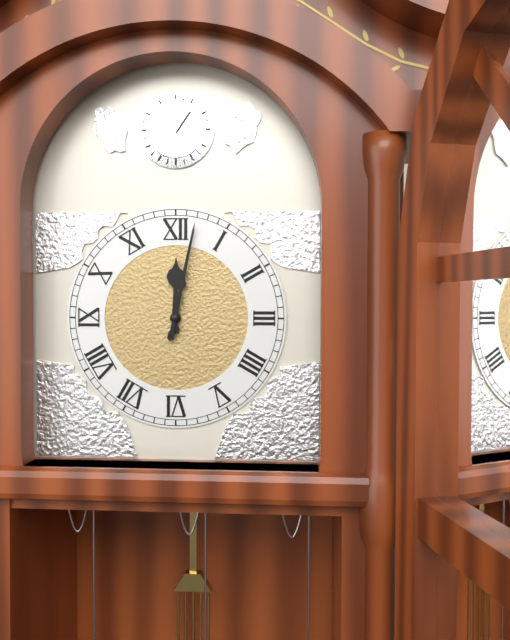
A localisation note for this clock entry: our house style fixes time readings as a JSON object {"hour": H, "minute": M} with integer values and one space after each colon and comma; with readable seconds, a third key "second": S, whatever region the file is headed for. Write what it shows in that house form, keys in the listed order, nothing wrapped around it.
{"hour": 12, "minute": 2}
